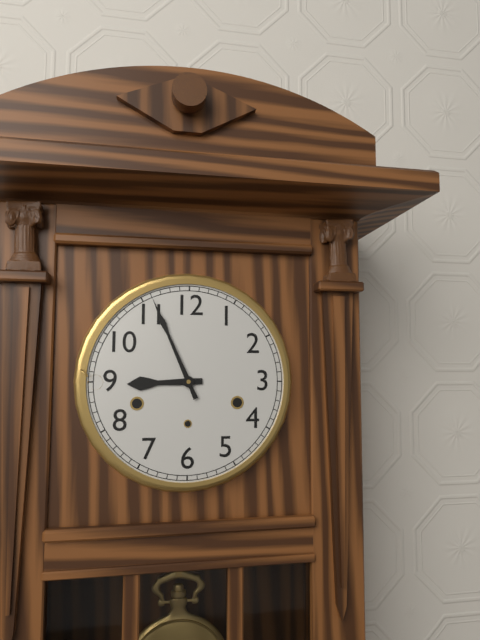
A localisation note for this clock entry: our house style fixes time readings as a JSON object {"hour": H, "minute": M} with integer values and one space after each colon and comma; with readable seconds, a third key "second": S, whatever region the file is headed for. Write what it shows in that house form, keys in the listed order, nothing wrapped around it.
{"hour": 8, "minute": 56}
